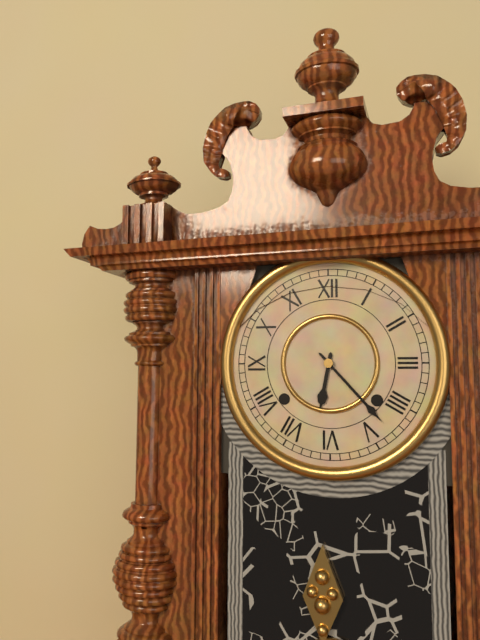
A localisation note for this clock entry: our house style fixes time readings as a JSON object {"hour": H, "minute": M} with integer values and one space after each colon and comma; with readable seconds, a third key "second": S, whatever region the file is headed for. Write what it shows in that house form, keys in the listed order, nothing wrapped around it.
{"hour": 6, "minute": 23}
